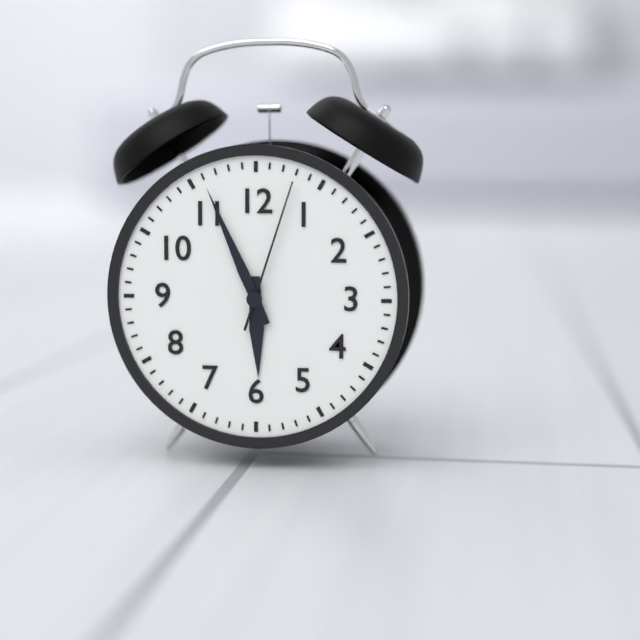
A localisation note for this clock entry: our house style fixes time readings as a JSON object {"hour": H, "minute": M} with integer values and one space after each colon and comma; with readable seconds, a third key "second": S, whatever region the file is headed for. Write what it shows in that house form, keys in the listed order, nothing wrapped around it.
{"hour": 5, "minute": 56, "second": 3}
